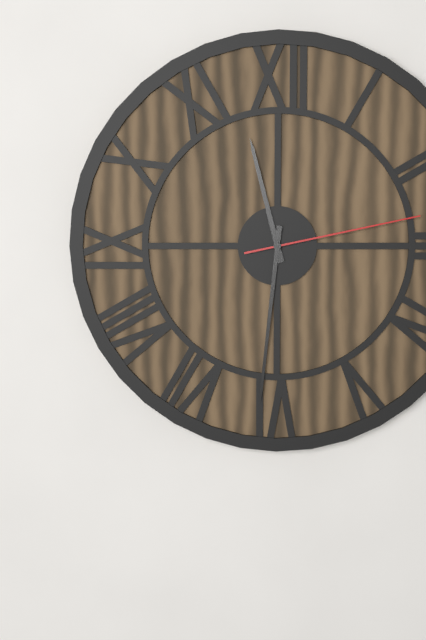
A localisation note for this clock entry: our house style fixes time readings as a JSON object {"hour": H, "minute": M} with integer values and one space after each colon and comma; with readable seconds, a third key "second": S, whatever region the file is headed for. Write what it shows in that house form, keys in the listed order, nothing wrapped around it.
{"hour": 11, "minute": 31, "second": 13}
